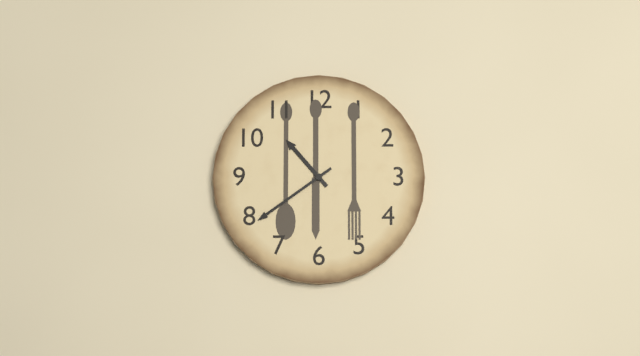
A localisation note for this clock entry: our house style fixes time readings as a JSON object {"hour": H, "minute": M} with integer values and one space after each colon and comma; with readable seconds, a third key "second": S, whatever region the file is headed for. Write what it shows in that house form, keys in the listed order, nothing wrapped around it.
{"hour": 10, "minute": 39}
